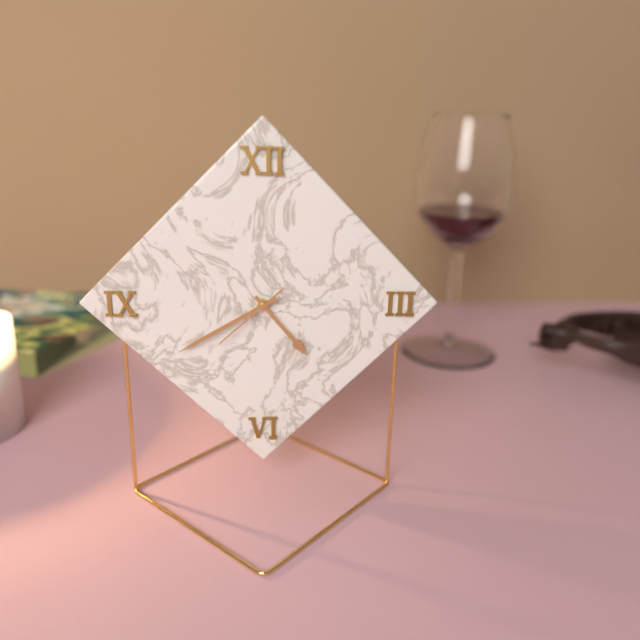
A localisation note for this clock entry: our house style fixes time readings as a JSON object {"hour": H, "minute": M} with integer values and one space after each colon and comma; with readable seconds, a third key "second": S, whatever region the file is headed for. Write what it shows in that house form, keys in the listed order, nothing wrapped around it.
{"hour": 4, "minute": 40, "second": 38}
